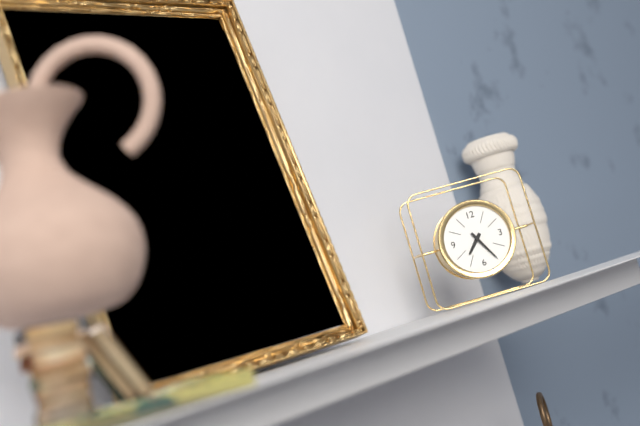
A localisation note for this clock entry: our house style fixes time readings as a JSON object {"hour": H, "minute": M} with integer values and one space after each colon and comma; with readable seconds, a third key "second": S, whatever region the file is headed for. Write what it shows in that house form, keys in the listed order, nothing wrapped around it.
{"hour": 7, "minute": 25}
